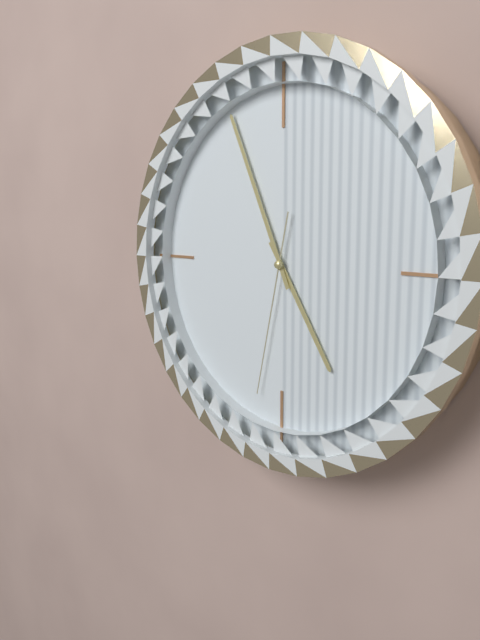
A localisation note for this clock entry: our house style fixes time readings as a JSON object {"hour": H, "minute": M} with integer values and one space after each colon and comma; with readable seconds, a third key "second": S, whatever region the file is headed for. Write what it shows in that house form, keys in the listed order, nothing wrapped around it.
{"hour": 4, "minute": 56, "second": 32}
